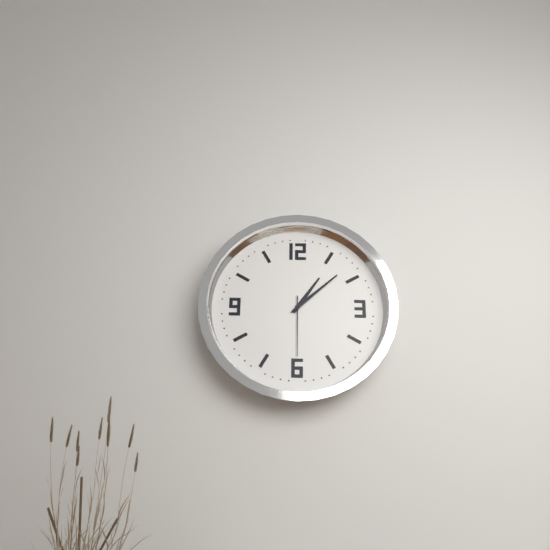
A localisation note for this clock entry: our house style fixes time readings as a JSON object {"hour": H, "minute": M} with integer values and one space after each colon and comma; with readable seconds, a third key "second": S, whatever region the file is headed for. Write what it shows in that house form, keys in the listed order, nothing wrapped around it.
{"hour": 1, "minute": 8, "second": 30}
